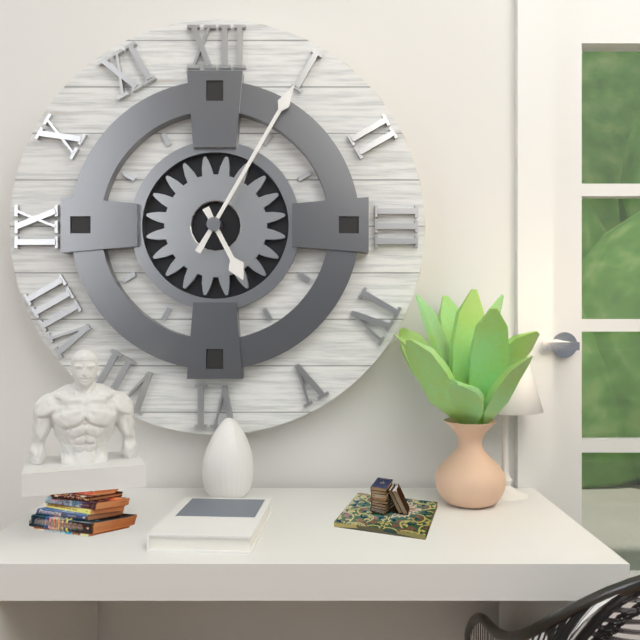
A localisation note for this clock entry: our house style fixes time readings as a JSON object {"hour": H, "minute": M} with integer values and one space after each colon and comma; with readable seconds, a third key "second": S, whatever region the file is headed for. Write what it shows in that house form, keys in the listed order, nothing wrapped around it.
{"hour": 5, "minute": 5}
